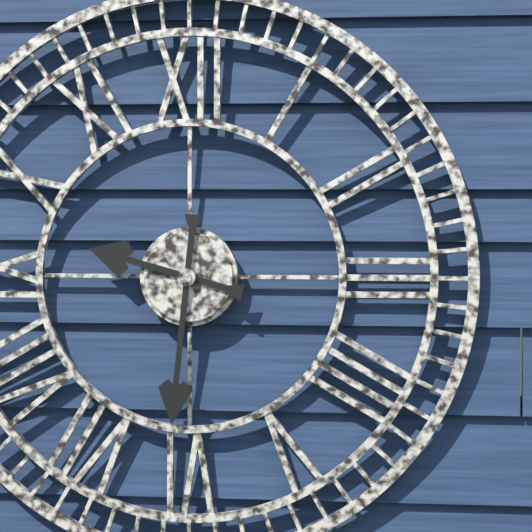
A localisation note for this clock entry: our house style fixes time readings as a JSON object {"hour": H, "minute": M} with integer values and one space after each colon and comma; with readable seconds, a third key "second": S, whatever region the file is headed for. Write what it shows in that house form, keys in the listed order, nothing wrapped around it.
{"hour": 9, "minute": 31}
